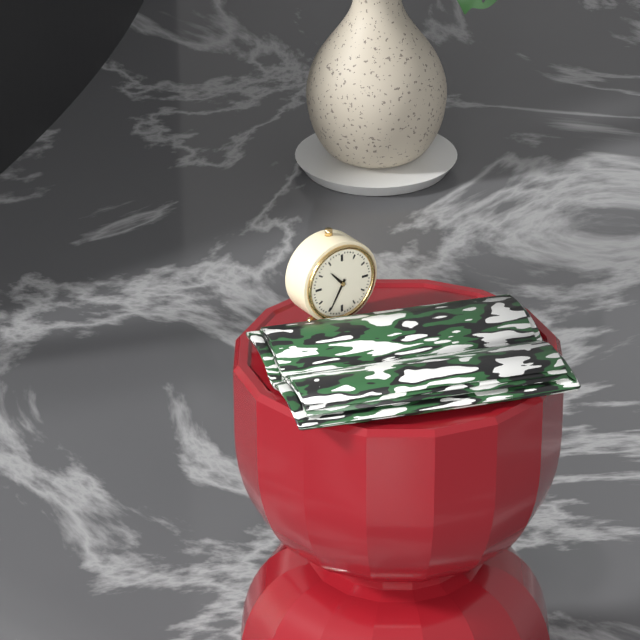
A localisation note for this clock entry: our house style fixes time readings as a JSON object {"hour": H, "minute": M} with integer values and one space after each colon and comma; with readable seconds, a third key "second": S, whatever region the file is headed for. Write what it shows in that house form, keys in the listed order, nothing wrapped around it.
{"hour": 10, "minute": 35}
